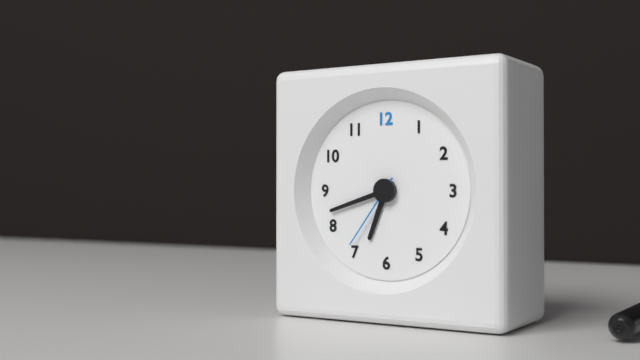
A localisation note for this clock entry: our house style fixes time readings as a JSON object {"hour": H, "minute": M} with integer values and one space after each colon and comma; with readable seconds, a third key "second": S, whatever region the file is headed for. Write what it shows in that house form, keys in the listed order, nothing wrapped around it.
{"hour": 6, "minute": 42, "second": 36}
